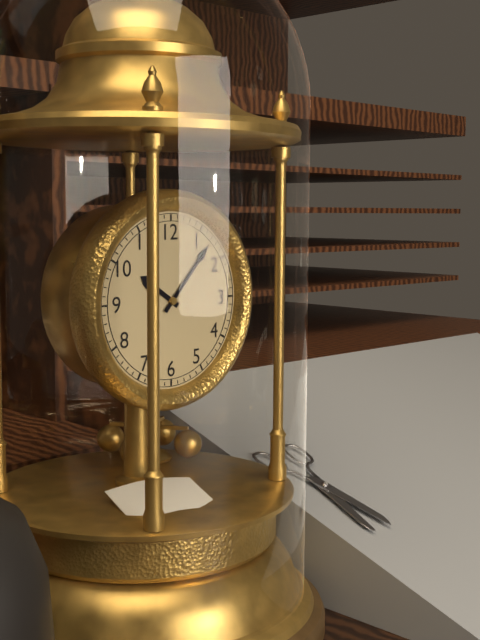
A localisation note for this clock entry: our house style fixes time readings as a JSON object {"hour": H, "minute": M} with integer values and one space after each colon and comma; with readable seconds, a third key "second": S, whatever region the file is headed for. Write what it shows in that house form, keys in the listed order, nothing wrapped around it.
{"hour": 10, "minute": 7}
